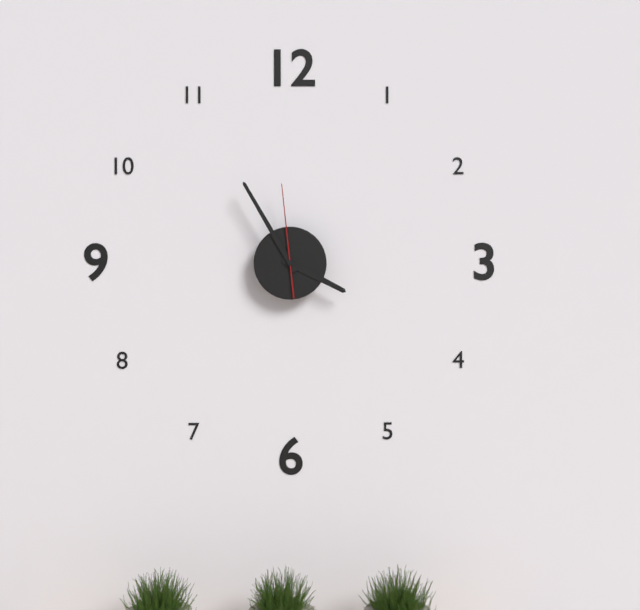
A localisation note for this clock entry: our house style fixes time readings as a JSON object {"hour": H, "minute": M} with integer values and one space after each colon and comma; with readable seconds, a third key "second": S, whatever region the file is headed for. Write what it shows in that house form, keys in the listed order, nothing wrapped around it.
{"hour": 3, "minute": 55, "second": 59}
